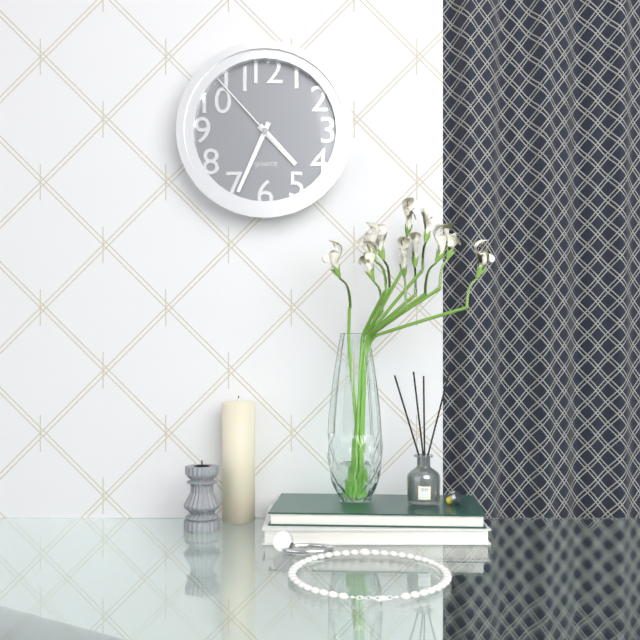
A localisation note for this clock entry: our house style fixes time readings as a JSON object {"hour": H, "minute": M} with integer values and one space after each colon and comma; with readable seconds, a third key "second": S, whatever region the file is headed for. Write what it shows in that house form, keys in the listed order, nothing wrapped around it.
{"hour": 4, "minute": 34, "second": 53}
